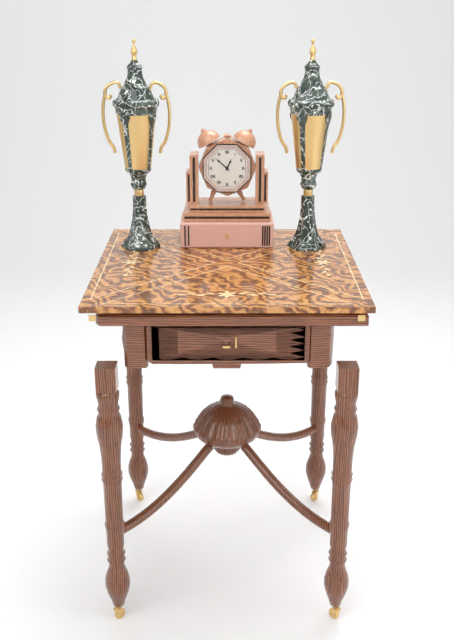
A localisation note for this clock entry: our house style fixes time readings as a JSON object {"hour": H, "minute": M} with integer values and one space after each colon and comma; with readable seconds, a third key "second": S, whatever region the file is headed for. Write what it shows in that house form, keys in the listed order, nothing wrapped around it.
{"hour": 12, "minute": 52}
